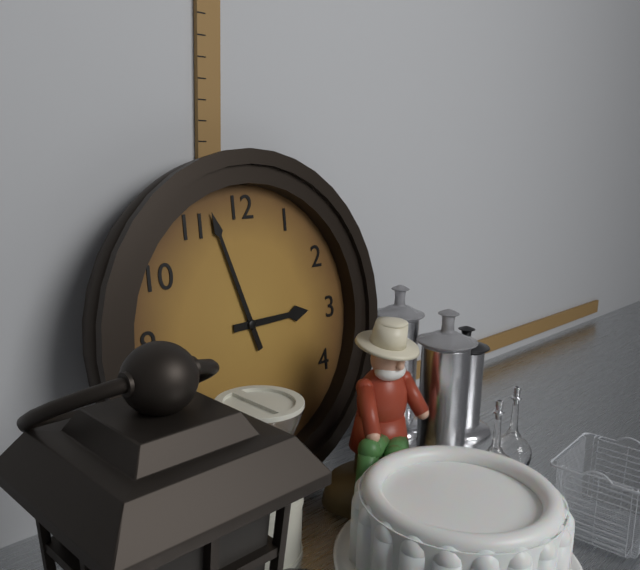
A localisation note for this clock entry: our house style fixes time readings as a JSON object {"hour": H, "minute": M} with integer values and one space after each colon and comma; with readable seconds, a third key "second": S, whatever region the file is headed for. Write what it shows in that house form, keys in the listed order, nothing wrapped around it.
{"hour": 2, "minute": 57}
